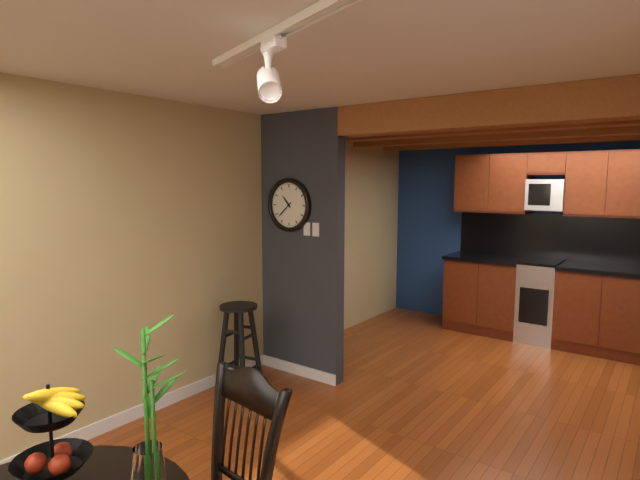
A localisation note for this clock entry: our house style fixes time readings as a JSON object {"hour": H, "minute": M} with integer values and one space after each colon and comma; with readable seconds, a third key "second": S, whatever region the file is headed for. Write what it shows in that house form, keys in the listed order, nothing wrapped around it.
{"hour": 10, "minute": 38}
